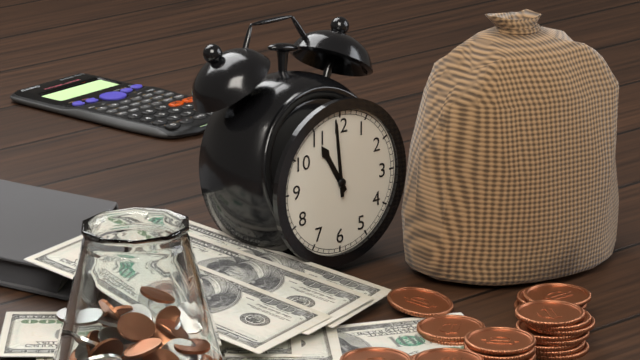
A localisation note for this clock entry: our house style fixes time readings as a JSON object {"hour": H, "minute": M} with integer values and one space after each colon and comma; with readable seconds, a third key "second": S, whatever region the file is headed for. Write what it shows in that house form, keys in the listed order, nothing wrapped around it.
{"hour": 10, "minute": 59}
